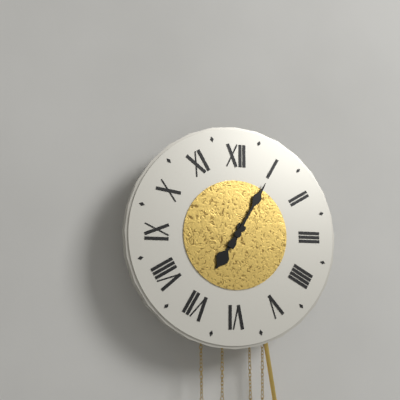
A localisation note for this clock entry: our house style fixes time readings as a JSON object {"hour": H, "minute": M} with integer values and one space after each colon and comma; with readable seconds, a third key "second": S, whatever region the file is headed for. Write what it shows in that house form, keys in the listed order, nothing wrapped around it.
{"hour": 7, "minute": 5}
